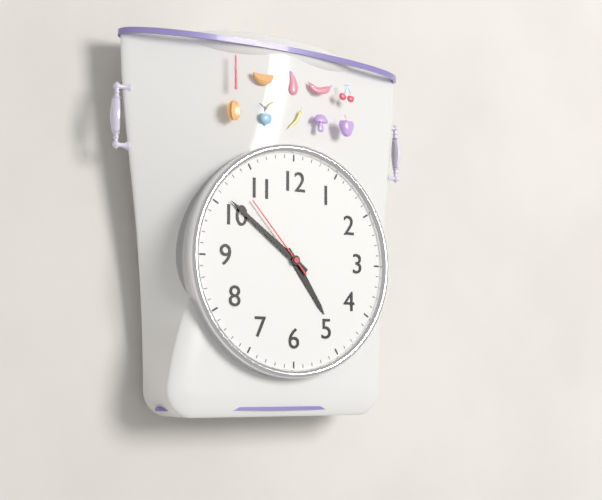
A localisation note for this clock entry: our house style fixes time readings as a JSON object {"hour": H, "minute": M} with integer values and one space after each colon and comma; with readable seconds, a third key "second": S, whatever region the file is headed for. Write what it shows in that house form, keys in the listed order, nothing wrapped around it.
{"hour": 4, "minute": 51, "second": 53}
